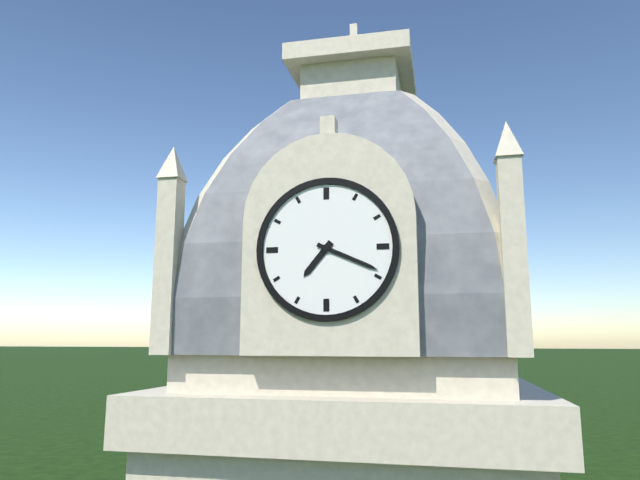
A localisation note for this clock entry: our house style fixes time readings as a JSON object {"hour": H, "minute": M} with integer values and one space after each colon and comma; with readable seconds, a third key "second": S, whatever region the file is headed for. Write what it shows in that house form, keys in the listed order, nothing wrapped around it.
{"hour": 7, "minute": 19}
